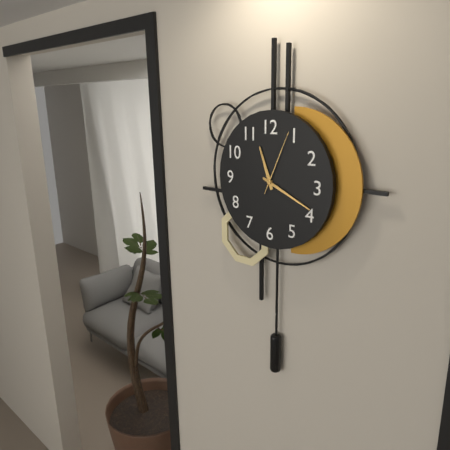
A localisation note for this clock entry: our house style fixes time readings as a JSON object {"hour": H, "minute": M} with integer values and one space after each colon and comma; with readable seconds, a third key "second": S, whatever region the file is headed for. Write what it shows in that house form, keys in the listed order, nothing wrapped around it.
{"hour": 11, "minute": 19, "second": 4}
